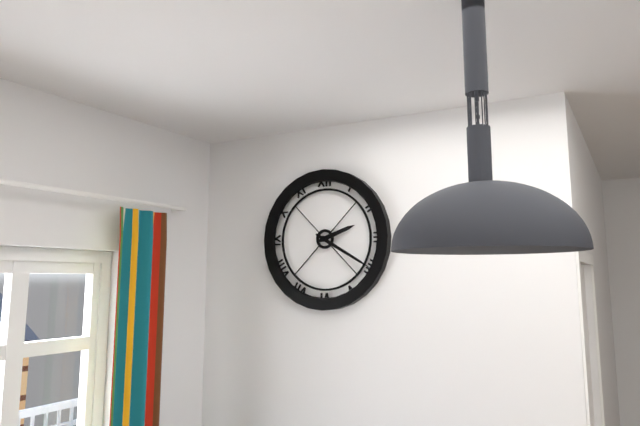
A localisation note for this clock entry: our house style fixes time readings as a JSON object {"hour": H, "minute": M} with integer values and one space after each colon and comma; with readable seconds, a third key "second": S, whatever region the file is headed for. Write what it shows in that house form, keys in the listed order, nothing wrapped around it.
{"hour": 2, "minute": 20}
